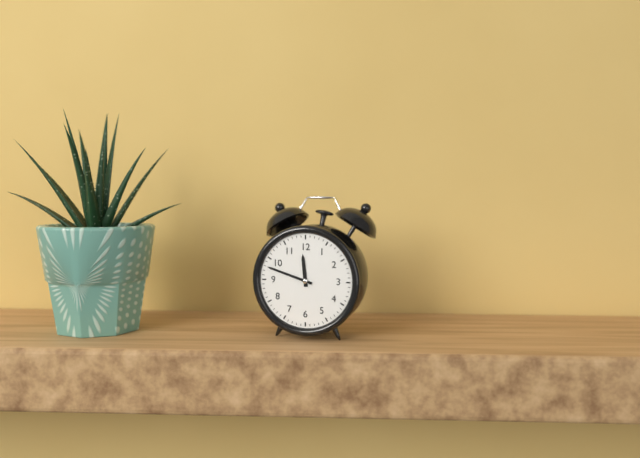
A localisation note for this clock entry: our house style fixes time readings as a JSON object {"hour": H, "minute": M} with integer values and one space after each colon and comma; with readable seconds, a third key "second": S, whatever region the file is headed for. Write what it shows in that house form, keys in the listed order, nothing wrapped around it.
{"hour": 11, "minute": 48}
